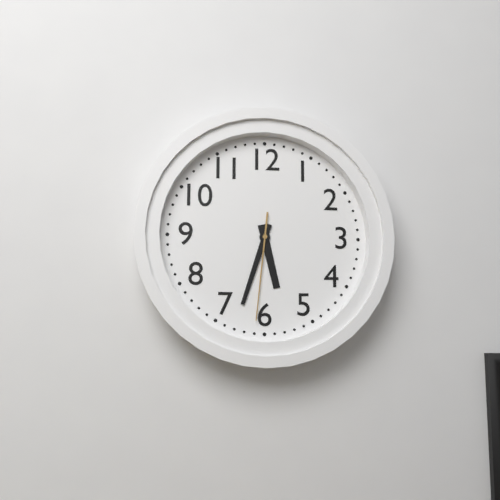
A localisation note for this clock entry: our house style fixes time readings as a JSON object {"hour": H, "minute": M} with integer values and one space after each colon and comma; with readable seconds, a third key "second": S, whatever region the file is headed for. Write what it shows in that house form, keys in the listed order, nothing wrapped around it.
{"hour": 5, "minute": 33, "second": 31}
